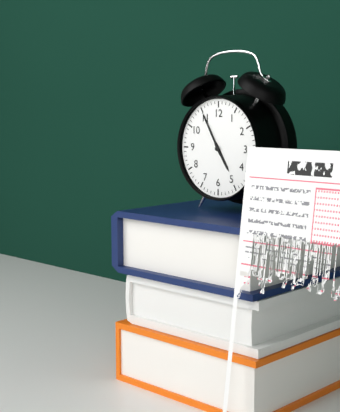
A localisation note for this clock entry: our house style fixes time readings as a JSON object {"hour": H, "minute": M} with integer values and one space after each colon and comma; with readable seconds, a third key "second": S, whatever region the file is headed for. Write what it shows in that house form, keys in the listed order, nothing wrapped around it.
{"hour": 4, "minute": 55}
